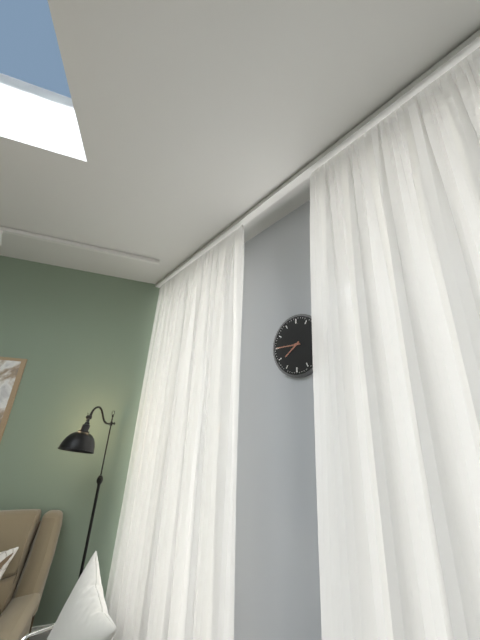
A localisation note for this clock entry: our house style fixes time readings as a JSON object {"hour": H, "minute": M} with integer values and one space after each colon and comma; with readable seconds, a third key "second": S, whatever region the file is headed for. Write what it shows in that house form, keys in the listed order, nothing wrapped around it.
{"hour": 7, "minute": 45}
